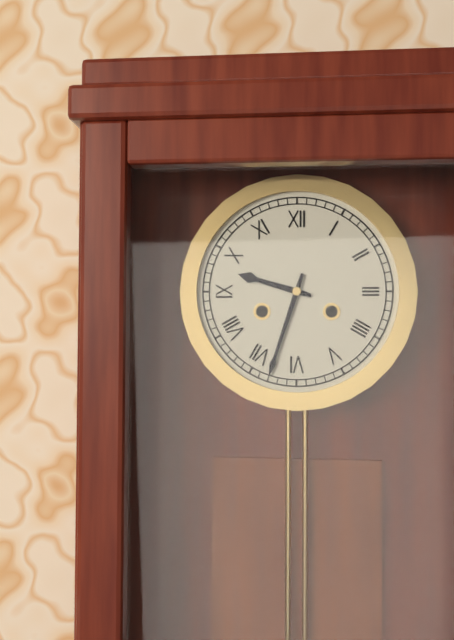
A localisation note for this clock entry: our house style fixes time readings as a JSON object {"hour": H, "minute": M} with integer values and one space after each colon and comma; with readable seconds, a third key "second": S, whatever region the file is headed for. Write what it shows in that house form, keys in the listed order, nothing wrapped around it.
{"hour": 9, "minute": 33}
